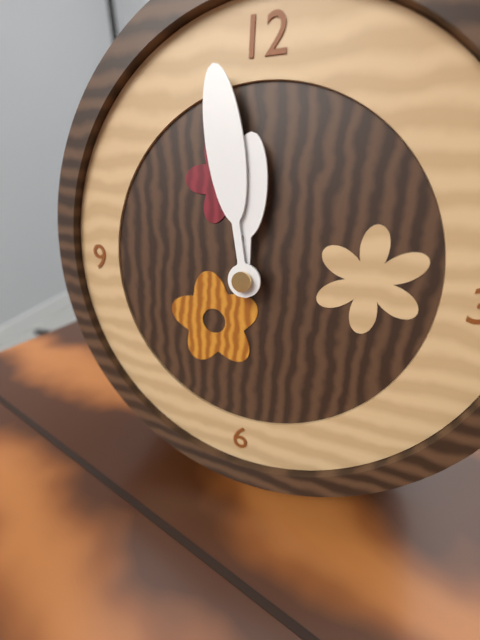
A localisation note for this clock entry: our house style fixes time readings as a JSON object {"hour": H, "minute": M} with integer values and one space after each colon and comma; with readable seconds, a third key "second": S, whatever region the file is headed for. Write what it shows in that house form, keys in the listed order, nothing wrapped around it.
{"hour": 11, "minute": 58}
